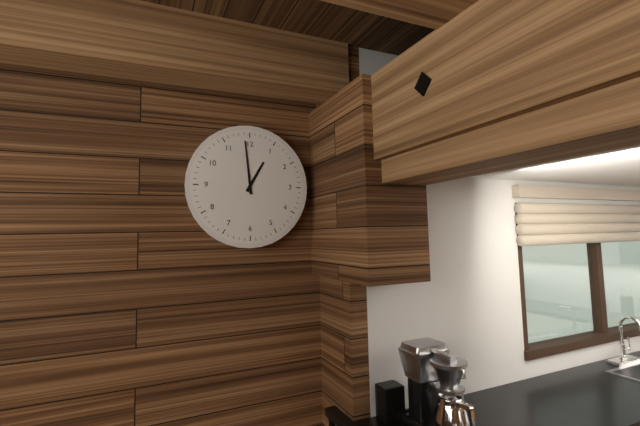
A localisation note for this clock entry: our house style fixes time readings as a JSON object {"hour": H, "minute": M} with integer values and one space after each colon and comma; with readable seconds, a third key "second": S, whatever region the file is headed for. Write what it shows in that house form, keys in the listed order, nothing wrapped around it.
{"hour": 12, "minute": 59}
